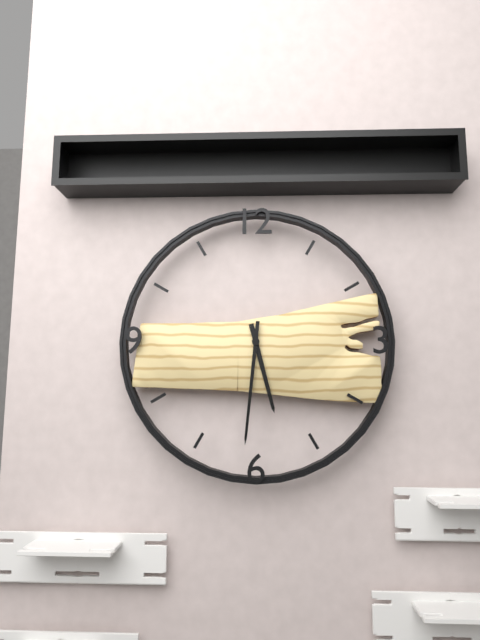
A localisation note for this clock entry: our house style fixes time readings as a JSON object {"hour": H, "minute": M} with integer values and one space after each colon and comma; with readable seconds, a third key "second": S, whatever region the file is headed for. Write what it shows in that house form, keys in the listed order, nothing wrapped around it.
{"hour": 5, "minute": 31}
